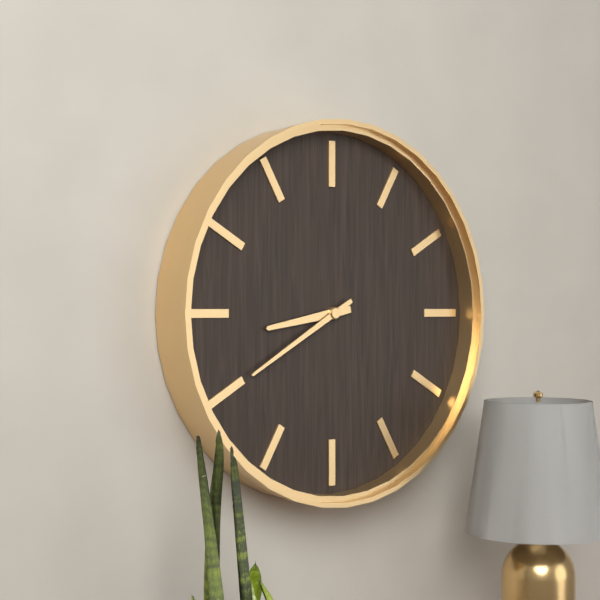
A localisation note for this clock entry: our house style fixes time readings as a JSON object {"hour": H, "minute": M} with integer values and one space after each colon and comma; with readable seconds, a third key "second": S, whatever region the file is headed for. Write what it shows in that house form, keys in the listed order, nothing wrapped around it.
{"hour": 8, "minute": 40}
